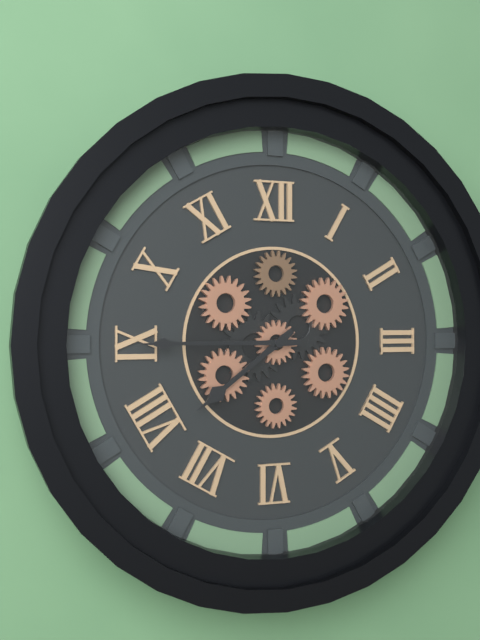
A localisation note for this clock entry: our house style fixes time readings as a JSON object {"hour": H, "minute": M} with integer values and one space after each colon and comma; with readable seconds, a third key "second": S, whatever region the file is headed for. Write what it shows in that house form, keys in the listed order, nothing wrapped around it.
{"hour": 7, "minute": 45}
